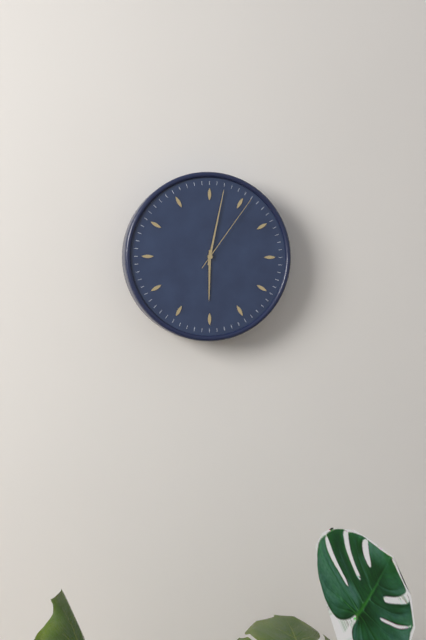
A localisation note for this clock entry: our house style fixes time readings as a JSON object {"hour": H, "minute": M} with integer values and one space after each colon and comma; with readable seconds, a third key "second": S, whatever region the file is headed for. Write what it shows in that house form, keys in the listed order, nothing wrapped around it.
{"hour": 6, "minute": 2, "second": 6}
